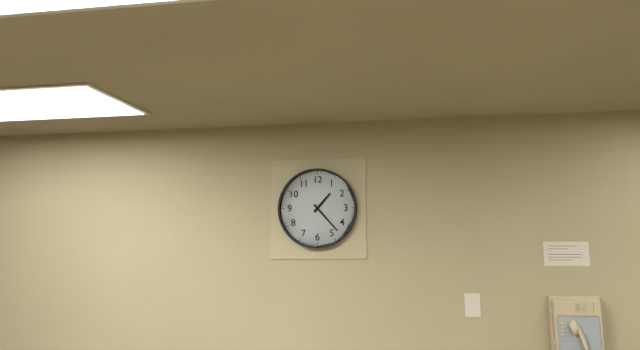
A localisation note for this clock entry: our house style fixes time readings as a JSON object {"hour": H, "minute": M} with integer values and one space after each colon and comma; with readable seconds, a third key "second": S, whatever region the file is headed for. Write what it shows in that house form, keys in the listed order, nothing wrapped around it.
{"hour": 1, "minute": 23}
